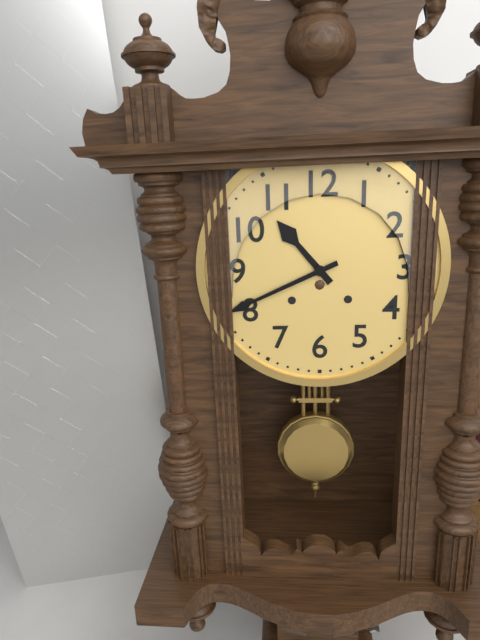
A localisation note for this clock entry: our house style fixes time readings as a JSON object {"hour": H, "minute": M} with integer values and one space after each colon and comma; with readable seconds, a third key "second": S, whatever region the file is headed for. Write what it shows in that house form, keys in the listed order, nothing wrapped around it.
{"hour": 10, "minute": 41}
